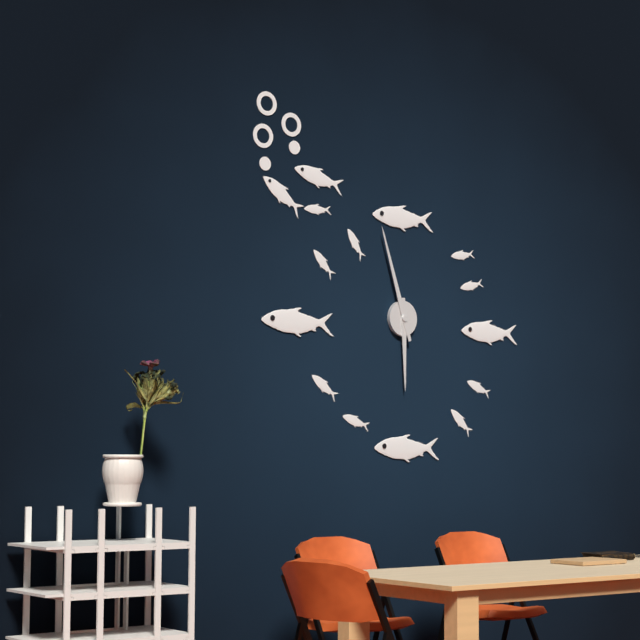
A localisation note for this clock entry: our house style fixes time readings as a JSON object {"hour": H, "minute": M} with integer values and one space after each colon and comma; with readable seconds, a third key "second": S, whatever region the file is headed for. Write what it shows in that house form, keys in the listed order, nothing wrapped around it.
{"hour": 5, "minute": 57}
